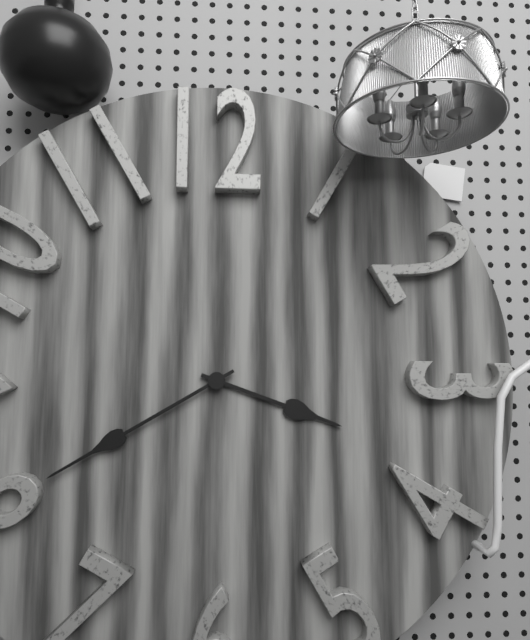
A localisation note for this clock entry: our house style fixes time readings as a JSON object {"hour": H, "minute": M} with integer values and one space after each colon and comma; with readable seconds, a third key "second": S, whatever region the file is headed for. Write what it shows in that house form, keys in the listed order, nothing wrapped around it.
{"hour": 3, "minute": 40}
